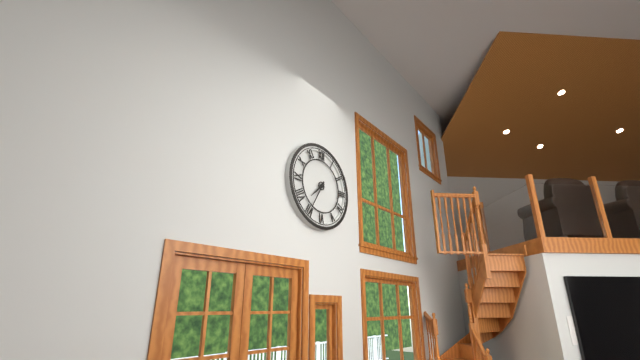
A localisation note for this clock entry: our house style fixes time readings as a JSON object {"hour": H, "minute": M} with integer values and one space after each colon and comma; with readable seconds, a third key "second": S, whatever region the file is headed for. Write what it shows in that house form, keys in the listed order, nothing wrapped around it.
{"hour": 7, "minute": 35}
